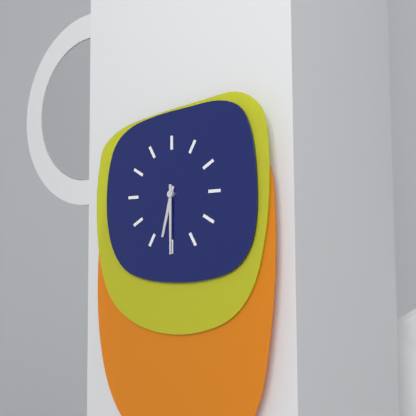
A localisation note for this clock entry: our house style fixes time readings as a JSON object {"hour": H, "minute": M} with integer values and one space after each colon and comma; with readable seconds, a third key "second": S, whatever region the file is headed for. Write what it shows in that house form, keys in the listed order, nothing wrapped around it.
{"hour": 6, "minute": 30}
